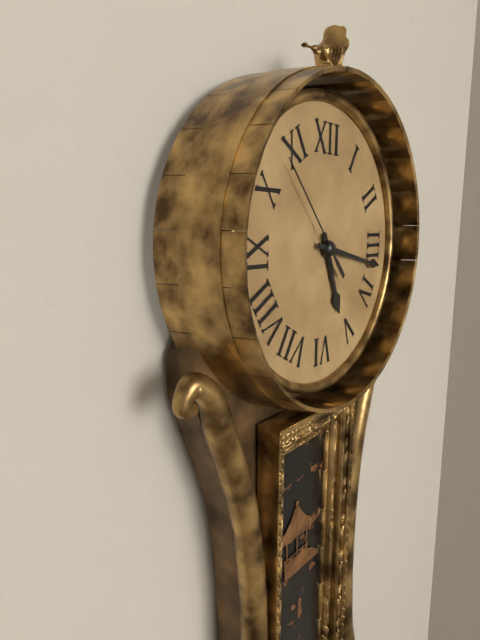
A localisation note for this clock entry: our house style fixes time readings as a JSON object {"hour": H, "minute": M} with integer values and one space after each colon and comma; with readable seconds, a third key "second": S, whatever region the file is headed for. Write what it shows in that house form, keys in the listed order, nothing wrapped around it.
{"hour": 5, "minute": 17, "second": 53}
